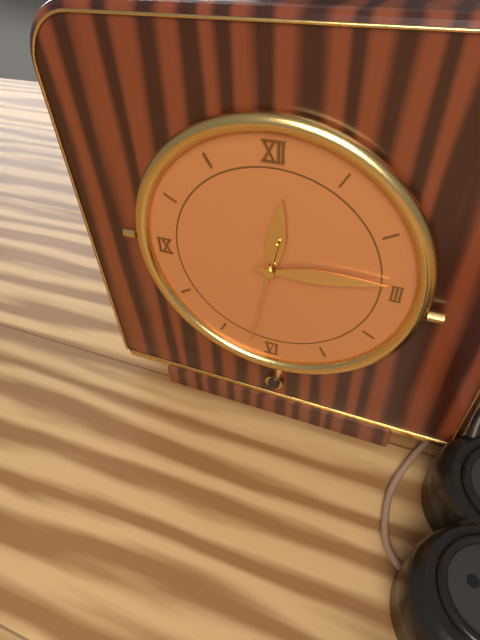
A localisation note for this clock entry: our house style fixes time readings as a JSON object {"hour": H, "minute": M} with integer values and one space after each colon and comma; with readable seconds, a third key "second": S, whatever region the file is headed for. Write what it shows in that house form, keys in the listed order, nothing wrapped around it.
{"hour": 12, "minute": 14, "second": 32}
